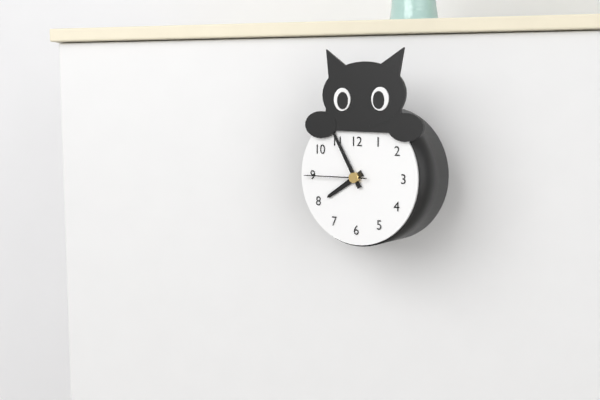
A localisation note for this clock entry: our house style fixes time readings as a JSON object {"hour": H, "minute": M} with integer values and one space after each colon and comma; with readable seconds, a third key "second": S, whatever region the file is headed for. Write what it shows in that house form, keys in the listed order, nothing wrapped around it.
{"hour": 7, "minute": 55, "second": 45}
